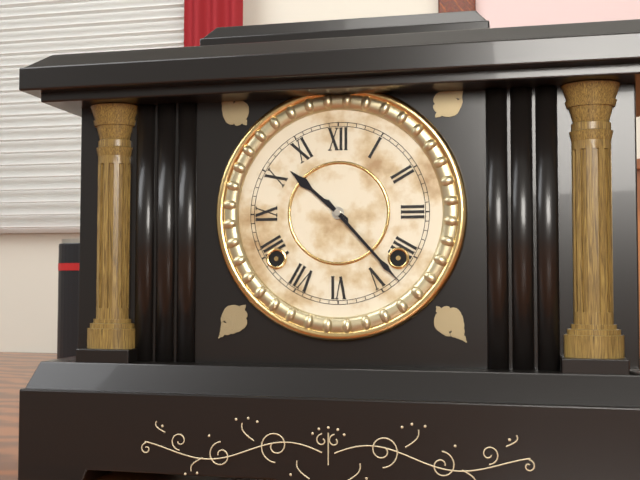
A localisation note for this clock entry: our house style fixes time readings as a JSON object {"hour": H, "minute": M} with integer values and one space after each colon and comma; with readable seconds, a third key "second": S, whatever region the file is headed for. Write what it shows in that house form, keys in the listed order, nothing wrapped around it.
{"hour": 10, "minute": 23}
